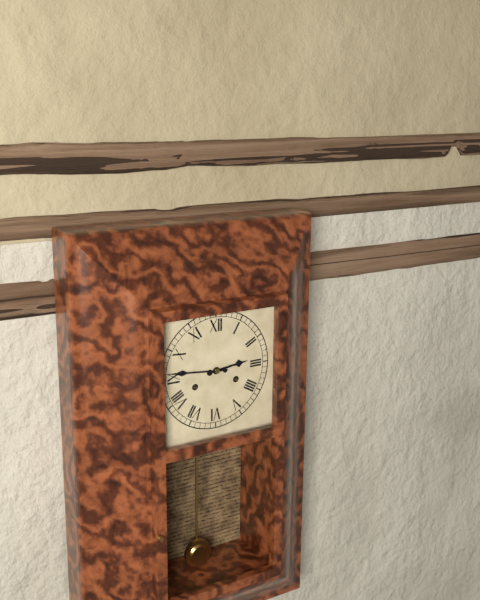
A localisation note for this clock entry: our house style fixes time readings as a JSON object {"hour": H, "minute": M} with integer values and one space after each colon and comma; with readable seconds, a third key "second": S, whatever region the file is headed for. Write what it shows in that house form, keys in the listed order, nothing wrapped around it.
{"hour": 2, "minute": 46}
